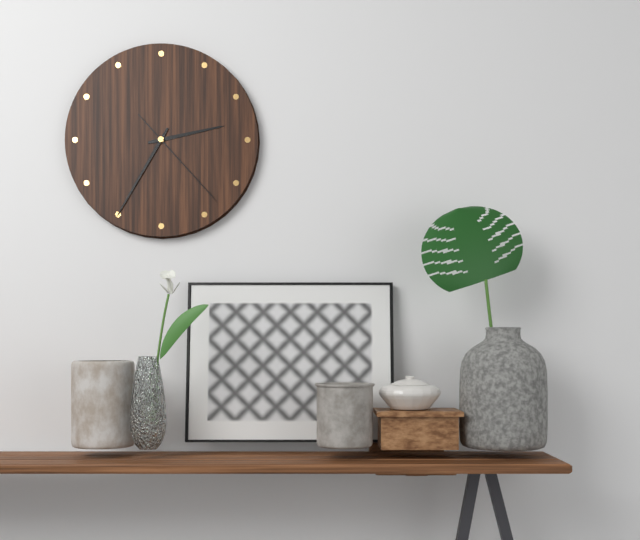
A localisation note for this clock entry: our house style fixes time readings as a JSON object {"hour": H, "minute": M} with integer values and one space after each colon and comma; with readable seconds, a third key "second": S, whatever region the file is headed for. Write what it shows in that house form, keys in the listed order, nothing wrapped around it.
{"hour": 2, "minute": 35, "second": 23}
